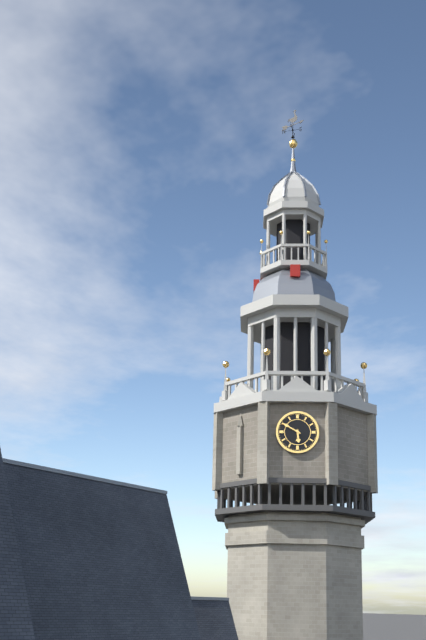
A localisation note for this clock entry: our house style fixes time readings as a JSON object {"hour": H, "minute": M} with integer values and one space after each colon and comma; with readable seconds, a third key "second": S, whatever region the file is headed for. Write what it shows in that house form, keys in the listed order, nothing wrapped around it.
{"hour": 5, "minute": 50}
